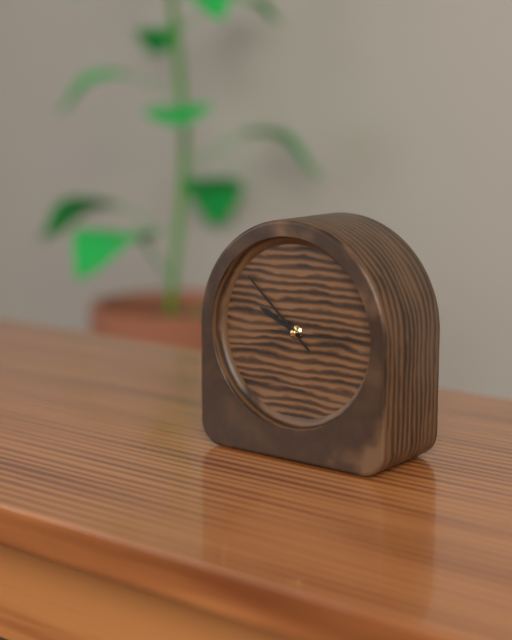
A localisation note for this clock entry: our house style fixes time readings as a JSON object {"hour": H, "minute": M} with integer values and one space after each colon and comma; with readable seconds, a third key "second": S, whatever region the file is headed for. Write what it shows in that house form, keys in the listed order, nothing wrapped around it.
{"hour": 9, "minute": 52, "second": 15}
